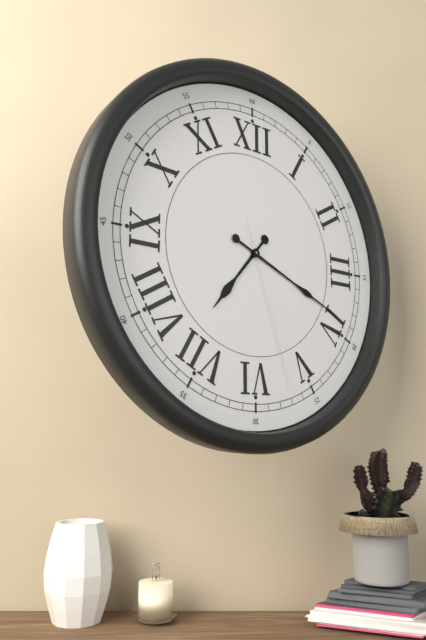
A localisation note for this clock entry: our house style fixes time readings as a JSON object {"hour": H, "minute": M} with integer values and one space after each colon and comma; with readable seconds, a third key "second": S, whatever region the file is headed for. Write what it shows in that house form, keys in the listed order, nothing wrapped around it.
{"hour": 7, "minute": 19, "second": 27}
